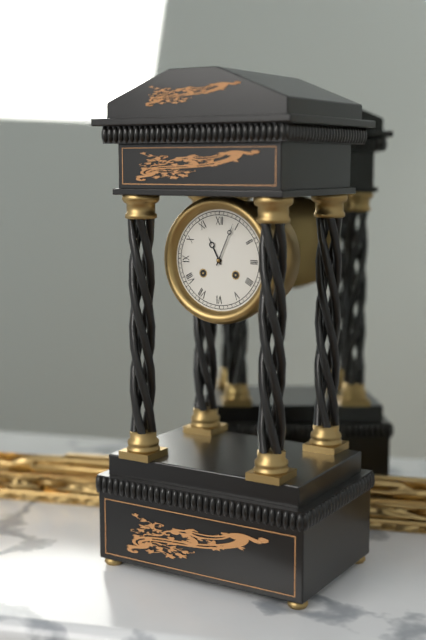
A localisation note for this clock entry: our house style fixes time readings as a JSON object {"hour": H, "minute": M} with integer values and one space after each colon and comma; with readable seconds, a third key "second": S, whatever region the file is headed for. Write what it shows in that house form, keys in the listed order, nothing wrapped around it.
{"hour": 11, "minute": 4}
